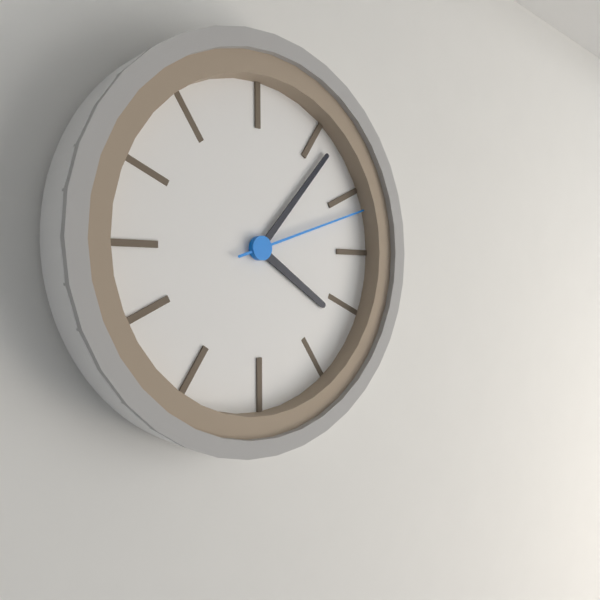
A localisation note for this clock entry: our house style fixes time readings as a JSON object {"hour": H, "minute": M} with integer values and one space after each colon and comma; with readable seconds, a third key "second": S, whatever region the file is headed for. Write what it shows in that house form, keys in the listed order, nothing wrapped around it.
{"hour": 4, "minute": 7, "second": 12}
